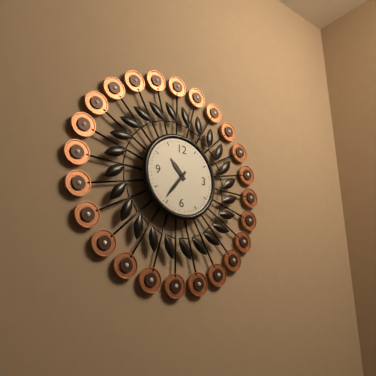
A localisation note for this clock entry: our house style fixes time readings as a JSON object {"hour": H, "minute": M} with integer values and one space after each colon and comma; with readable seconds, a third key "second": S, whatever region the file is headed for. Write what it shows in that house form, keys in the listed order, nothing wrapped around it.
{"hour": 10, "minute": 36}
